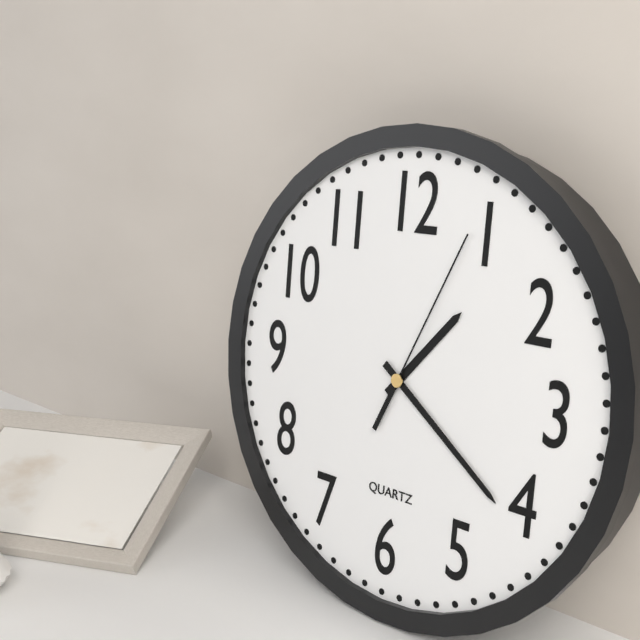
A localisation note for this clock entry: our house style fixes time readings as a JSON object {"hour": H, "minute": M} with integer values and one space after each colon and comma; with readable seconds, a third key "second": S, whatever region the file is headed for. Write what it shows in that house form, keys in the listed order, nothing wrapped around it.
{"hour": 1, "minute": 21, "second": 4}
